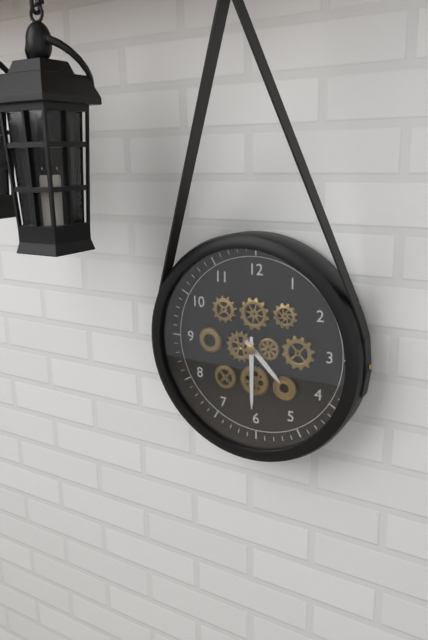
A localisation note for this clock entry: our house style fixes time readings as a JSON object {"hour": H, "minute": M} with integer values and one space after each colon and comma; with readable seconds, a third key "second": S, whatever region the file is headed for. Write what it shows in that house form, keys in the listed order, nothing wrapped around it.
{"hour": 4, "minute": 30}
